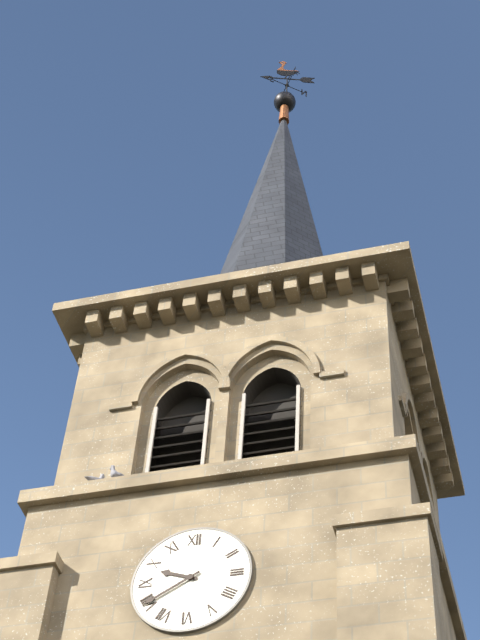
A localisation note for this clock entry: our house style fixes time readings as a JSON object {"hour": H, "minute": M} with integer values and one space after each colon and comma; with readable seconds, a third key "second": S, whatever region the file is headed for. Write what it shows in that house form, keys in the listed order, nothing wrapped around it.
{"hour": 9, "minute": 40}
